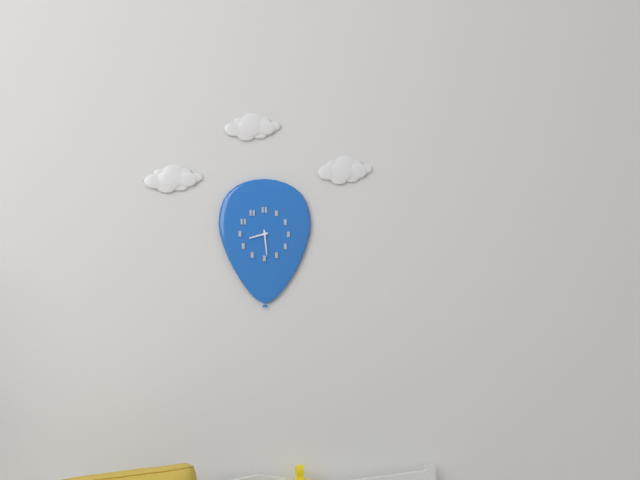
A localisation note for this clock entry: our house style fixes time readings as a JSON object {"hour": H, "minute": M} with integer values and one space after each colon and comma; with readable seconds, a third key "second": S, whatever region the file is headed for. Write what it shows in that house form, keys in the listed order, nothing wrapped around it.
{"hour": 8, "minute": 29}
